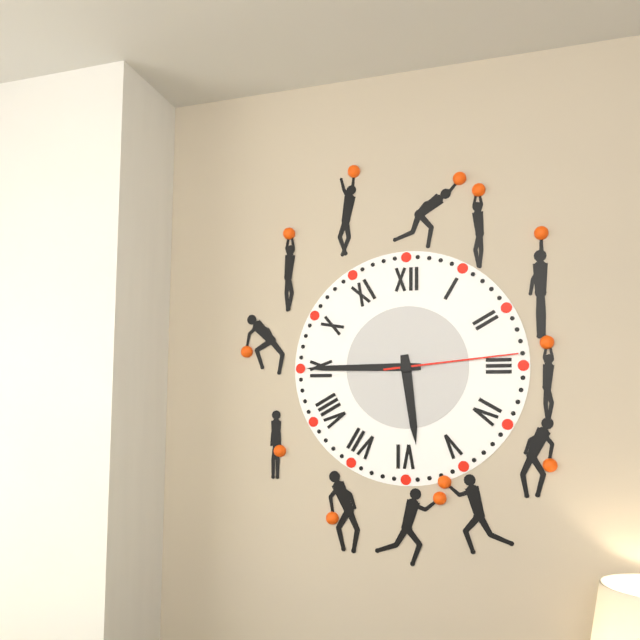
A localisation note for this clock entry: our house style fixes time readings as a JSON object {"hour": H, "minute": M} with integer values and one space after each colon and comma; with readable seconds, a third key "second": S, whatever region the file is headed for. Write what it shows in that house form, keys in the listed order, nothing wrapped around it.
{"hour": 5, "minute": 45, "second": 14}
